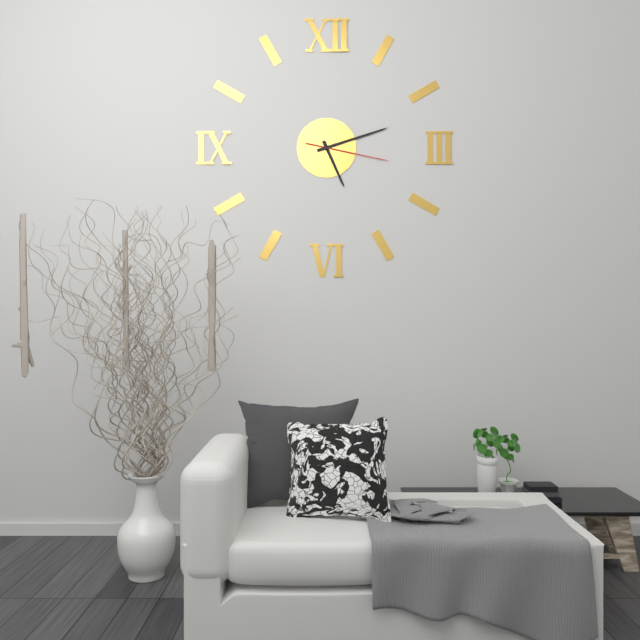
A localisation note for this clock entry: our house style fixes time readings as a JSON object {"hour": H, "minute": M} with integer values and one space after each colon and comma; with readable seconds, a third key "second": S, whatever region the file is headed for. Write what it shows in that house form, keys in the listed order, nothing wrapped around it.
{"hour": 5, "minute": 12, "second": 17}
